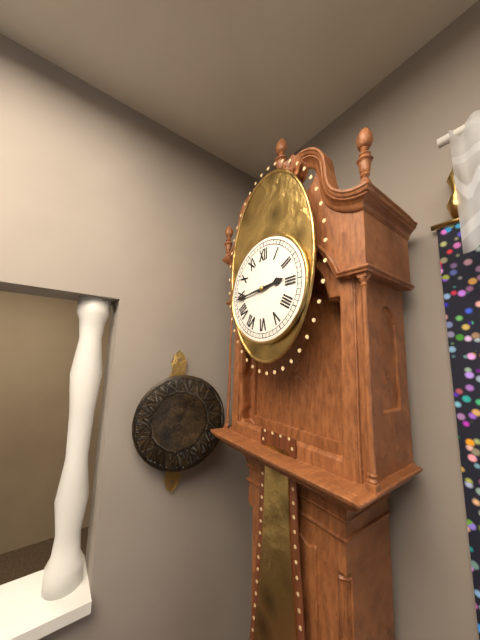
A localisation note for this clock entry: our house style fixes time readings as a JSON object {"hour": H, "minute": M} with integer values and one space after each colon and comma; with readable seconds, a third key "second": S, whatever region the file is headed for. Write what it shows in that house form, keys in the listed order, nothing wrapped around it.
{"hour": 2, "minute": 44}
